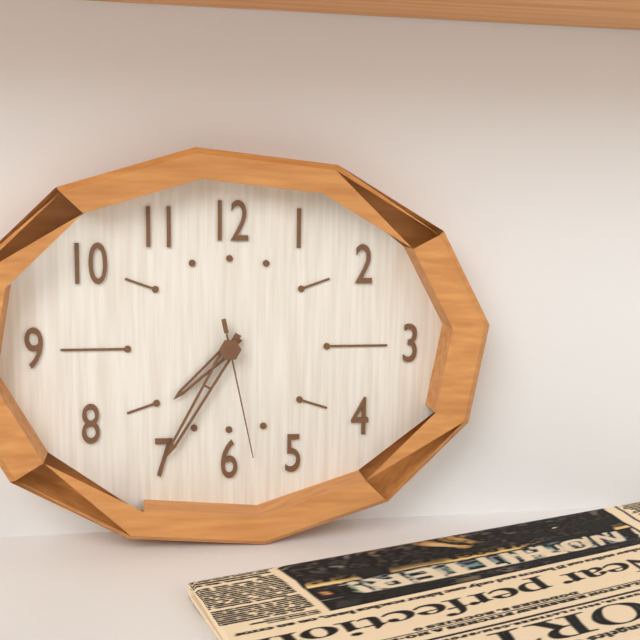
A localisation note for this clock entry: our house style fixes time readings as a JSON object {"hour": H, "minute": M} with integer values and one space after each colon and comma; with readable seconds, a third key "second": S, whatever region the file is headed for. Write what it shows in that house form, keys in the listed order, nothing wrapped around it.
{"hour": 7, "minute": 35, "second": 28}
